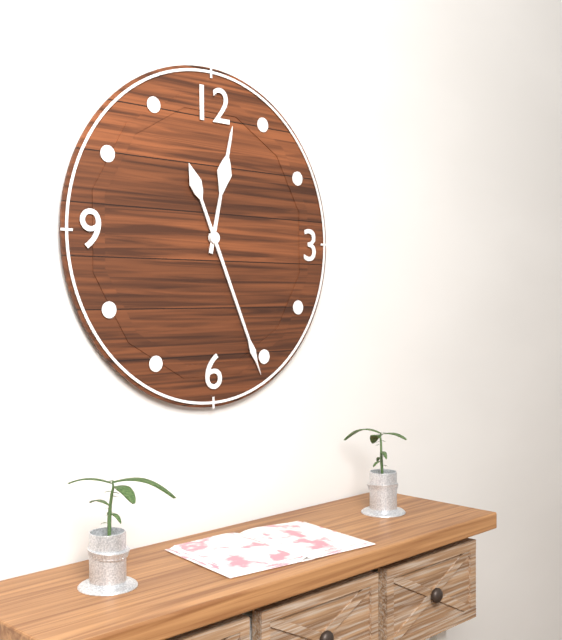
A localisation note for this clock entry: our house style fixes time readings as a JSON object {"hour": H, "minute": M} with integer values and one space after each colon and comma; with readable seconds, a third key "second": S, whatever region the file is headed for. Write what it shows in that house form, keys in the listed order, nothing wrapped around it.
{"hour": 12, "minute": 26}
